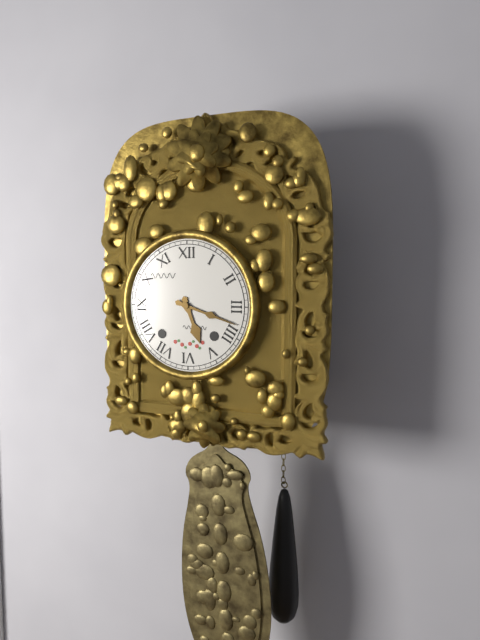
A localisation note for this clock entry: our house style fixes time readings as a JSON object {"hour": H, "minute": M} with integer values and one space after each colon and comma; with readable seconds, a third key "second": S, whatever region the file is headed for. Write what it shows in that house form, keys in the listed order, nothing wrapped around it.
{"hour": 5, "minute": 18}
